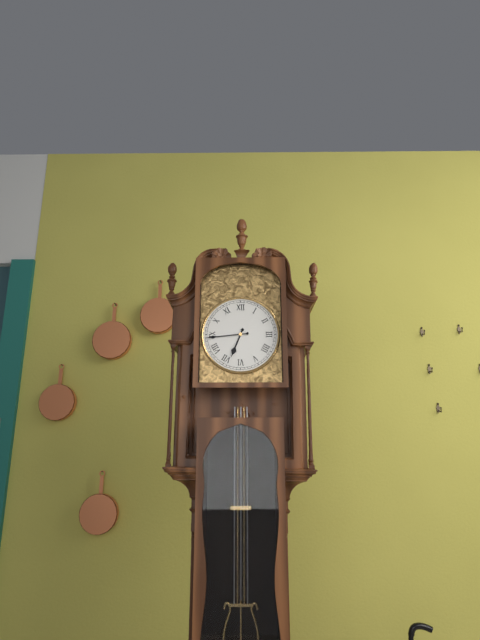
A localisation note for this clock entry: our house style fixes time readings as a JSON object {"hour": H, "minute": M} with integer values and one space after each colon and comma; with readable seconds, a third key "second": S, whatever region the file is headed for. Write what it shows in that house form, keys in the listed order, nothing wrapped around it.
{"hour": 6, "minute": 44}
